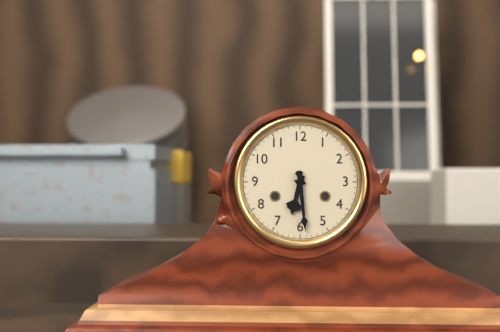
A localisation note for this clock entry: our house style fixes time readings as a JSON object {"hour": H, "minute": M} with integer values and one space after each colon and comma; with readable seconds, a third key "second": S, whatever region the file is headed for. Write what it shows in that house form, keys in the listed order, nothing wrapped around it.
{"hour": 6, "minute": 29}
